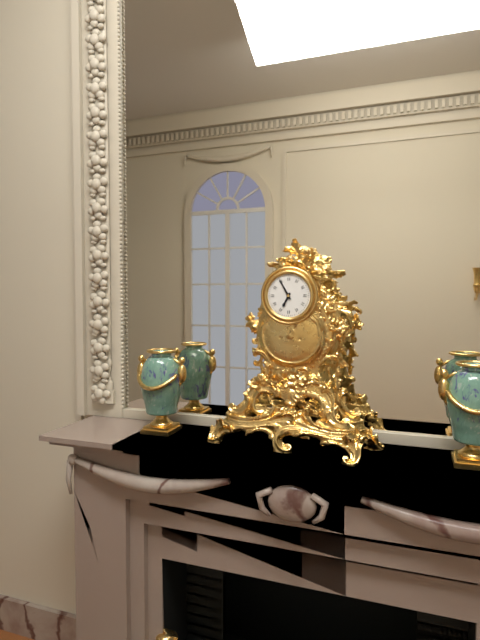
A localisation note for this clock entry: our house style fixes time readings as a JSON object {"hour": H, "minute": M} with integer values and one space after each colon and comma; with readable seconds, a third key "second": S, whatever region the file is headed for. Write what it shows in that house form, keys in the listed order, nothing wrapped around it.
{"hour": 6, "minute": 55}
